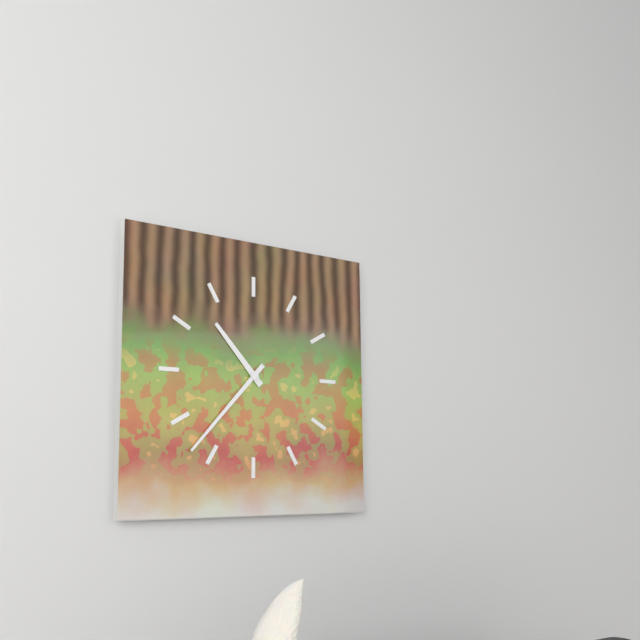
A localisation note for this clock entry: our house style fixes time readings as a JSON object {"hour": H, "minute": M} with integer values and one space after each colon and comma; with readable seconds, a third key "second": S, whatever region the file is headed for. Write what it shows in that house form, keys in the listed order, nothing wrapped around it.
{"hour": 10, "minute": 37}
